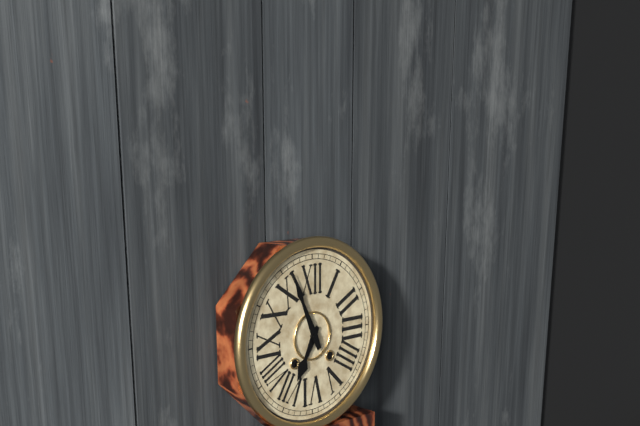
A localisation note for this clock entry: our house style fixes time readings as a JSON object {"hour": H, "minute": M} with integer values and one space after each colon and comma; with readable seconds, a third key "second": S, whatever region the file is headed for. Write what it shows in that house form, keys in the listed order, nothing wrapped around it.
{"hour": 6, "minute": 56}
